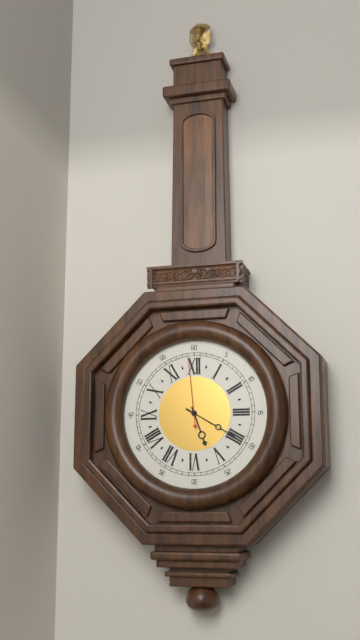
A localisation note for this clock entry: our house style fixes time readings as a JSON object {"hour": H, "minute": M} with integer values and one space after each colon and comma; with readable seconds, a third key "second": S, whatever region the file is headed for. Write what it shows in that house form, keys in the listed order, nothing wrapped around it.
{"hour": 5, "minute": 20, "second": 59}
